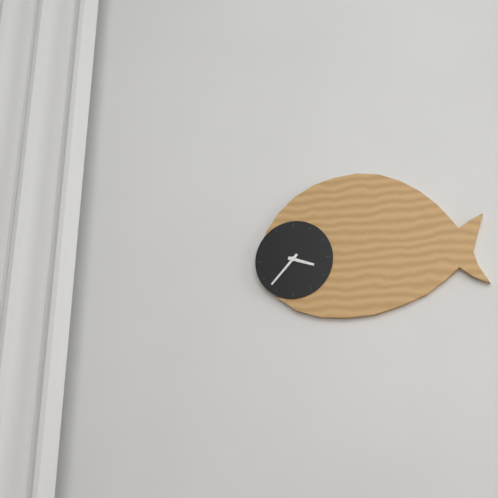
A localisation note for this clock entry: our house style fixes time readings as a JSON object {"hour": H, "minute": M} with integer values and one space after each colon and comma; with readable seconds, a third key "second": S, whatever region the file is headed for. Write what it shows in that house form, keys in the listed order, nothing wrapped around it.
{"hour": 3, "minute": 37}
